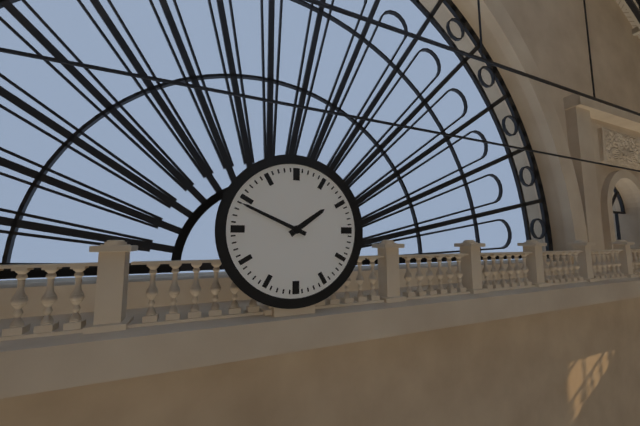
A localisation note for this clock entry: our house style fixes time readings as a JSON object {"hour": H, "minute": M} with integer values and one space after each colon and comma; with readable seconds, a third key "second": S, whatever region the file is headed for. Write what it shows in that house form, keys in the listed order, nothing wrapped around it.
{"hour": 1, "minute": 49}
